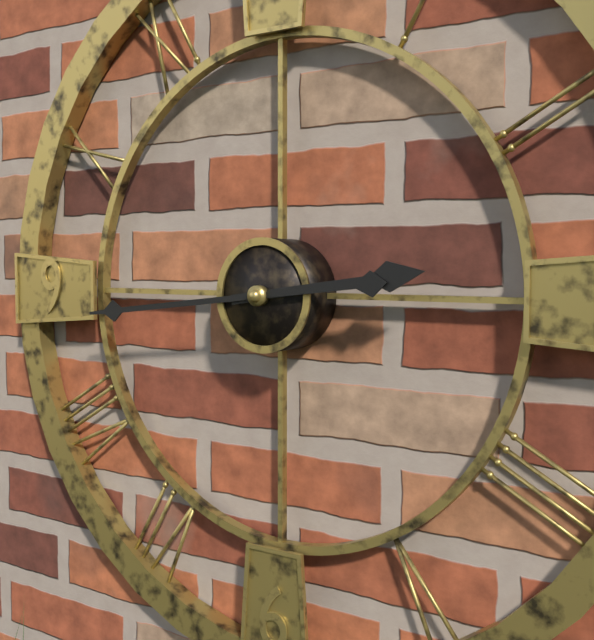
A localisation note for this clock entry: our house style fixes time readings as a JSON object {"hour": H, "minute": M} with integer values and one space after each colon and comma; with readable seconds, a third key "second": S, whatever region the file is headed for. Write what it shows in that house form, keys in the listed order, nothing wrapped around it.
{"hour": 2, "minute": 44}
